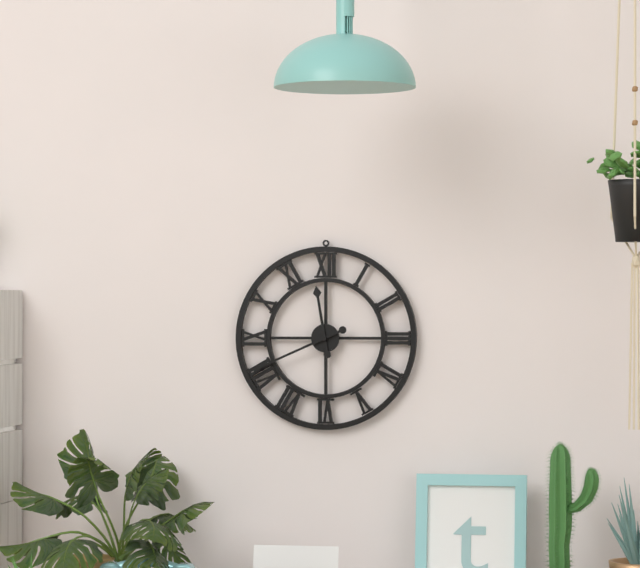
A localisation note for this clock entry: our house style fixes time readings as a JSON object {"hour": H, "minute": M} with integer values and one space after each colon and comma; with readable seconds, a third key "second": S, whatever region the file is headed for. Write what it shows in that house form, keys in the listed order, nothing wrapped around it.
{"hour": 11, "minute": 41}
